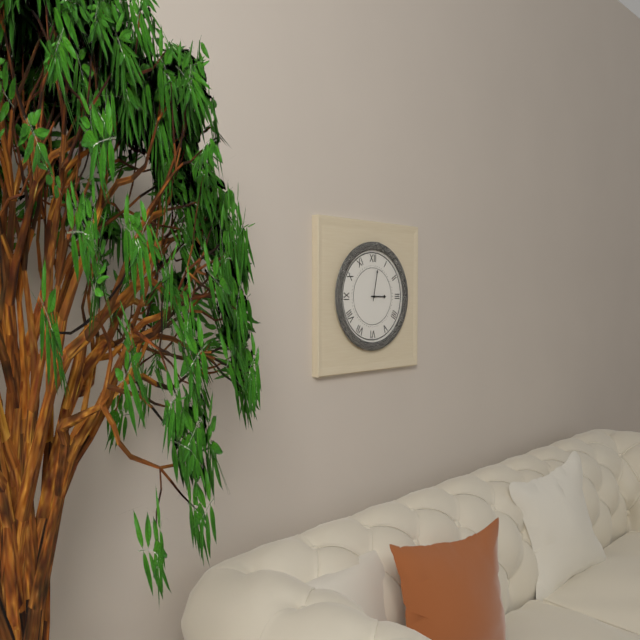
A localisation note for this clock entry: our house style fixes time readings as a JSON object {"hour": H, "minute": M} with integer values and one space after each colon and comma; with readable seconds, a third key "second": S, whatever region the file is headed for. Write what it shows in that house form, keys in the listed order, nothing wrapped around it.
{"hour": 3, "minute": 2}
